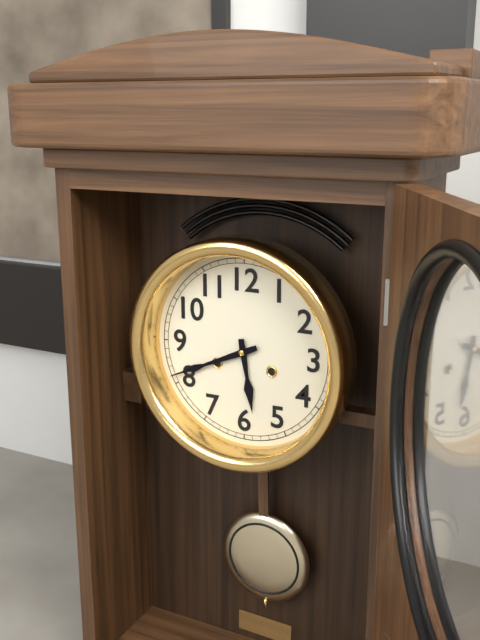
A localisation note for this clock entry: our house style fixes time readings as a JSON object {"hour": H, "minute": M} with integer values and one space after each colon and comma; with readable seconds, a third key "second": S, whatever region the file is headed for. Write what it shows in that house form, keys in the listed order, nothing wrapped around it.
{"hour": 5, "minute": 41}
